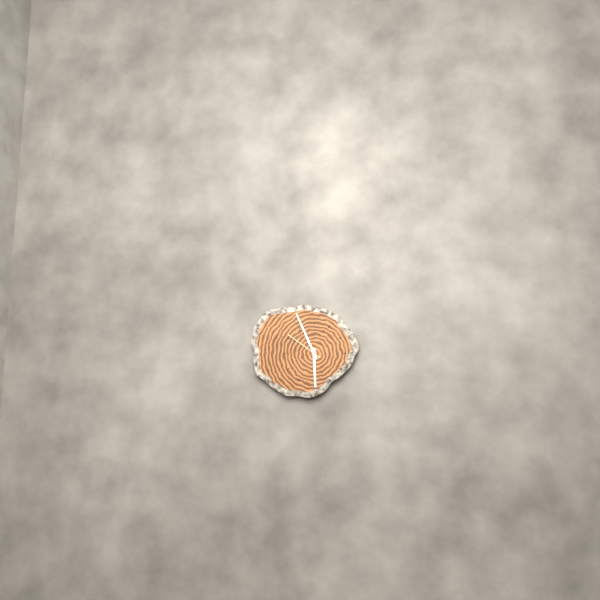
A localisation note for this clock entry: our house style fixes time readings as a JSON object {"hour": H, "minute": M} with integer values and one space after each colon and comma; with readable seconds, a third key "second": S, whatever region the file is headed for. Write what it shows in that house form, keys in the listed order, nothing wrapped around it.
{"hour": 5, "minute": 56}
